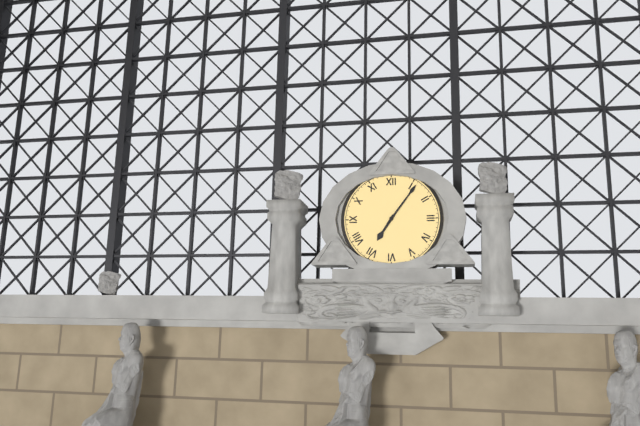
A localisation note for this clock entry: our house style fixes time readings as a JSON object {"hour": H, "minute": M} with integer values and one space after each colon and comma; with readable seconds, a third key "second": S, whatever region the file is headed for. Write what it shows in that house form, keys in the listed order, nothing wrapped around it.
{"hour": 7, "minute": 6}
